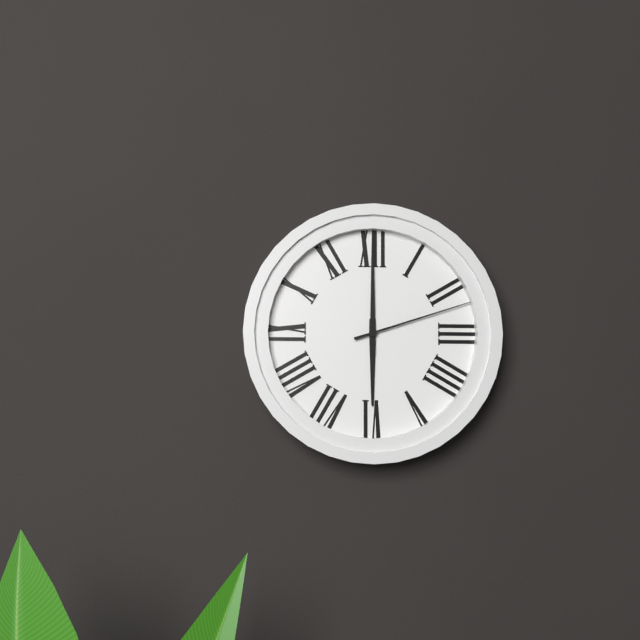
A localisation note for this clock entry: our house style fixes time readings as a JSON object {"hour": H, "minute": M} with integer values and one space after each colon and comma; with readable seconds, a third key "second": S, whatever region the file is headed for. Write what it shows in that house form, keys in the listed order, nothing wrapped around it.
{"hour": 6, "minute": 0, "second": 12}
